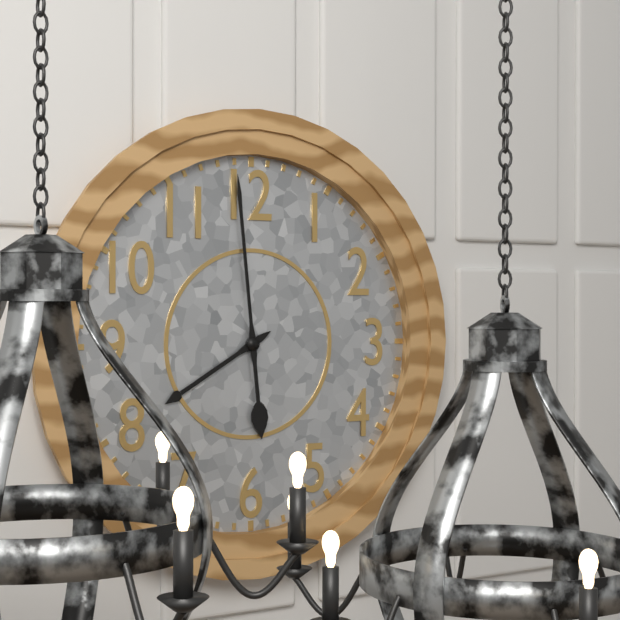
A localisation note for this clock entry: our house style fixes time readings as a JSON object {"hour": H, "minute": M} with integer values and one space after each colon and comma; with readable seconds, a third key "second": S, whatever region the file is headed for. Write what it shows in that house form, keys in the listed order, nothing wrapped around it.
{"hour": 7, "minute": 59}
